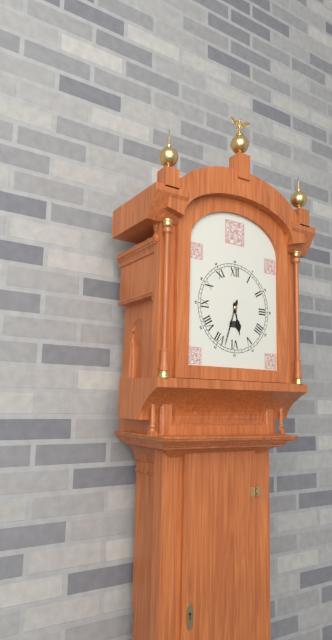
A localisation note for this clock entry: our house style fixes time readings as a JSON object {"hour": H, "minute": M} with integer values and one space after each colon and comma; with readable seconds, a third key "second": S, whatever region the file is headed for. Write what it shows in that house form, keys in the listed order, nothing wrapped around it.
{"hour": 5, "minute": 33}
